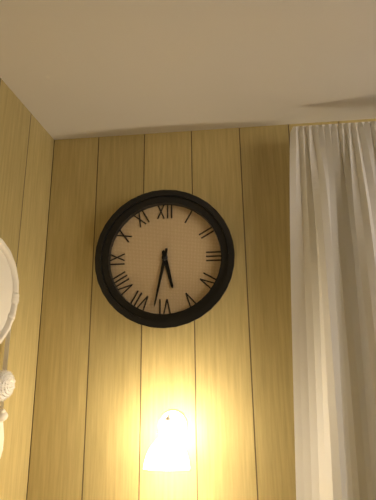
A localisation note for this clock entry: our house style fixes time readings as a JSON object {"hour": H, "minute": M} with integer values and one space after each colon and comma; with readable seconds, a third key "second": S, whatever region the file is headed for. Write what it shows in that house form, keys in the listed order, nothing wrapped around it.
{"hour": 5, "minute": 32}
